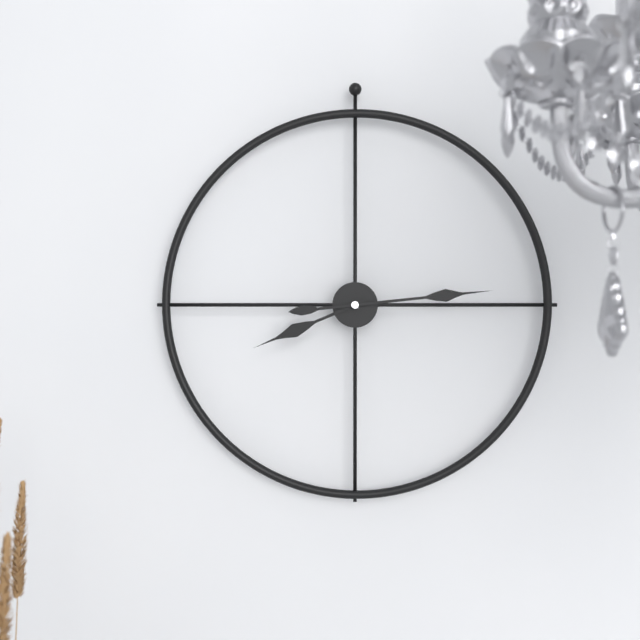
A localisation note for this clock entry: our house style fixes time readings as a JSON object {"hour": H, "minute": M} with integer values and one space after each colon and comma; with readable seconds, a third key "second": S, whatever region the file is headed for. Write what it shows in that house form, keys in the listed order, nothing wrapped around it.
{"hour": 8, "minute": 14}
